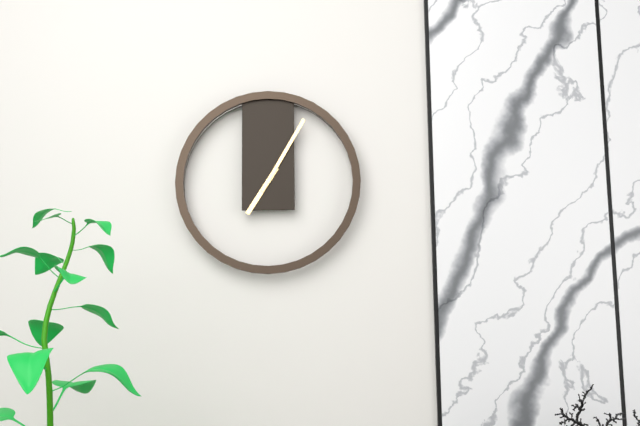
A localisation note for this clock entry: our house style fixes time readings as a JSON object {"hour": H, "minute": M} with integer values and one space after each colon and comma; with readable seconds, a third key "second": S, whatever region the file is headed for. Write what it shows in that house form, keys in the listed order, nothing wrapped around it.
{"hour": 7, "minute": 5}
